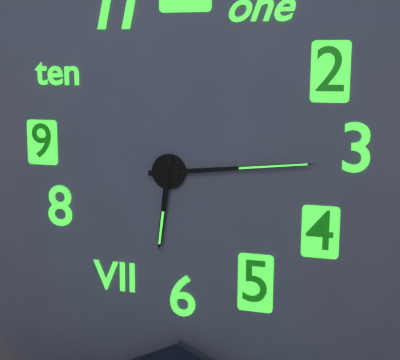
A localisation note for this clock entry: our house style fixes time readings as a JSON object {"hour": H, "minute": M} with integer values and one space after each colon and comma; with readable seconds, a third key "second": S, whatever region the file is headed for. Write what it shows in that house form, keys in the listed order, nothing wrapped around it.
{"hour": 6, "minute": 14}
